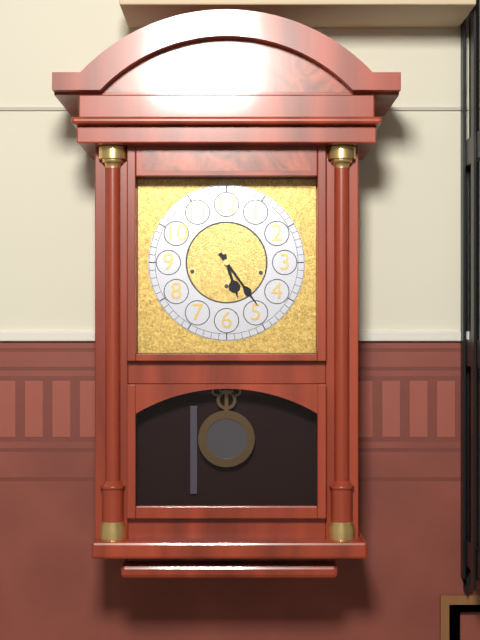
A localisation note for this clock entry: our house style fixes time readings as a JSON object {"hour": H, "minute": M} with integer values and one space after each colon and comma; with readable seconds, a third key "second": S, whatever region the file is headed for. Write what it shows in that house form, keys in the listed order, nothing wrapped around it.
{"hour": 5, "minute": 24}
